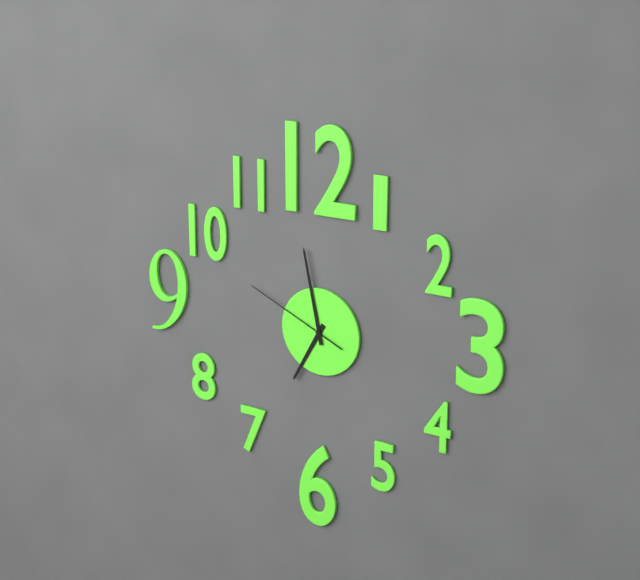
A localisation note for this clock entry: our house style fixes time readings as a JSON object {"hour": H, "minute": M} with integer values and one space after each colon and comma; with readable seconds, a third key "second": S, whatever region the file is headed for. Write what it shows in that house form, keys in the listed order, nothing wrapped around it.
{"hour": 6, "minute": 58, "second": 49}
